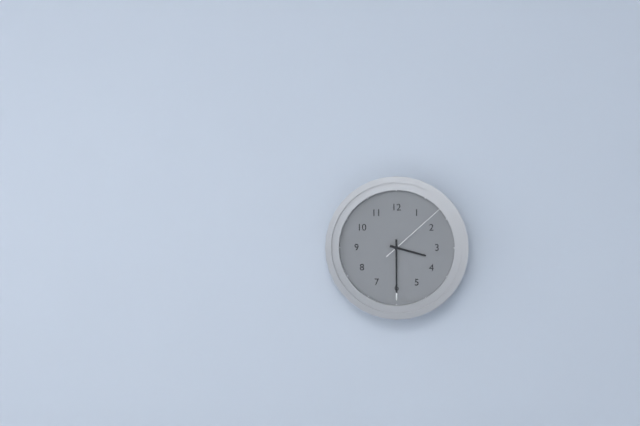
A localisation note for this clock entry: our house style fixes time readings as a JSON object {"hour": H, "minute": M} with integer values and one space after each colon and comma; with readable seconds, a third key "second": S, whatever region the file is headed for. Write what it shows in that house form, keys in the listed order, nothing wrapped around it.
{"hour": 3, "minute": 30, "second": 8}
